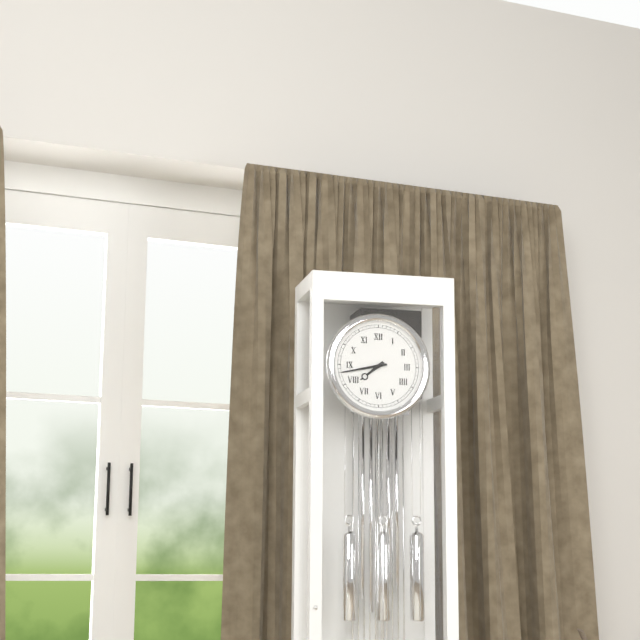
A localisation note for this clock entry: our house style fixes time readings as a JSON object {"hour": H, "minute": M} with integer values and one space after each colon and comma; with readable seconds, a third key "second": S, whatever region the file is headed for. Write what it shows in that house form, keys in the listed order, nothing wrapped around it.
{"hour": 7, "minute": 43}
